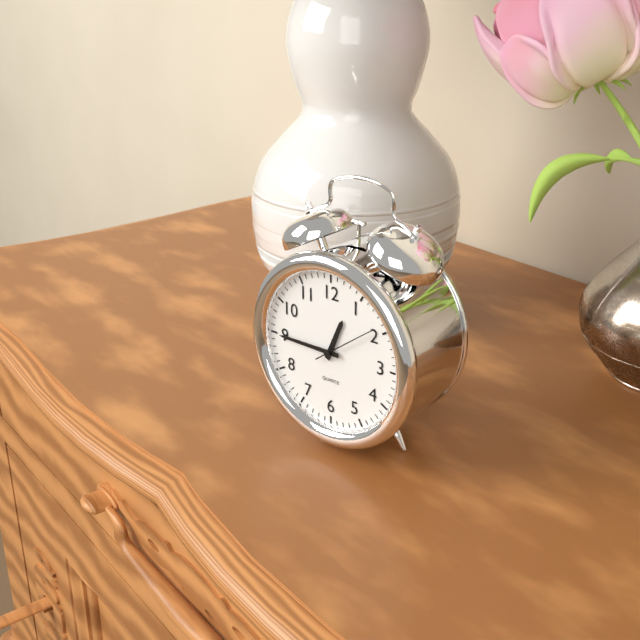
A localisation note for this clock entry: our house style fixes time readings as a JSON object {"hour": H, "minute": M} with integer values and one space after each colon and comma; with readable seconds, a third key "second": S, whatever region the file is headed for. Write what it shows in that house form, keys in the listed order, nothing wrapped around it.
{"hour": 12, "minute": 45, "second": 9}
